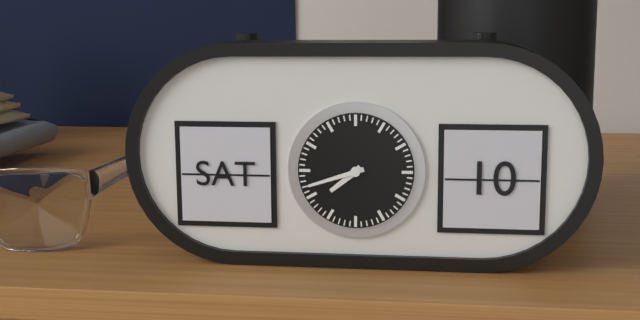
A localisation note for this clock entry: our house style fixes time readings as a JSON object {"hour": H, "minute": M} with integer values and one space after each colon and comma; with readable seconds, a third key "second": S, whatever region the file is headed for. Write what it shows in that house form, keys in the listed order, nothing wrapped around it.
{"hour": 7, "minute": 42}
